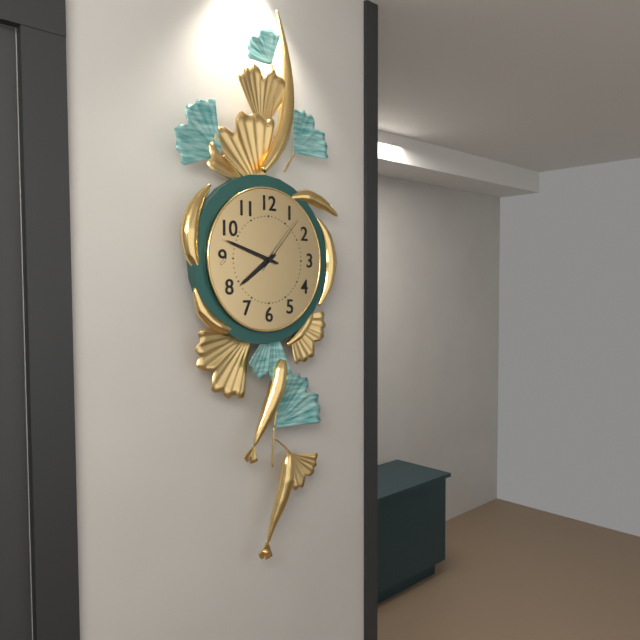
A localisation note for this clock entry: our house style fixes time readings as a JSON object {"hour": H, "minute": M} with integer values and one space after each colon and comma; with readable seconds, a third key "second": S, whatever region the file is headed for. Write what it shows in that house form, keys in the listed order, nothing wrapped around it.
{"hour": 7, "minute": 48, "second": 7}
